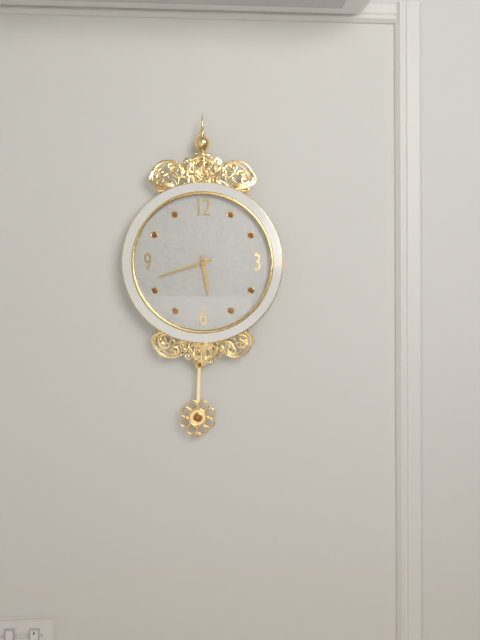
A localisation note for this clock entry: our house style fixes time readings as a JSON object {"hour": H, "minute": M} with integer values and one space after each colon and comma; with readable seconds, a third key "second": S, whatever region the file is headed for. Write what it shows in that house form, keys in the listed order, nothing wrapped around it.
{"hour": 5, "minute": 42}
